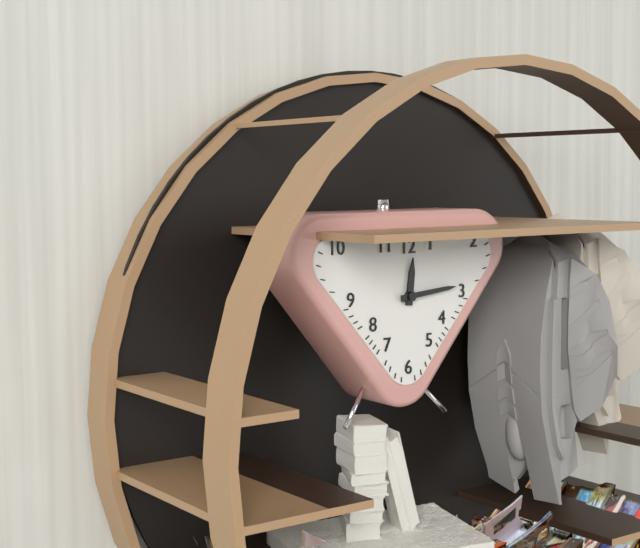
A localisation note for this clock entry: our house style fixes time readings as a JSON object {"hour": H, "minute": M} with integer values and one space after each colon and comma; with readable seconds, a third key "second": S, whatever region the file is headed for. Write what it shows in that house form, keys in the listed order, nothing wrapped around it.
{"hour": 12, "minute": 14}
